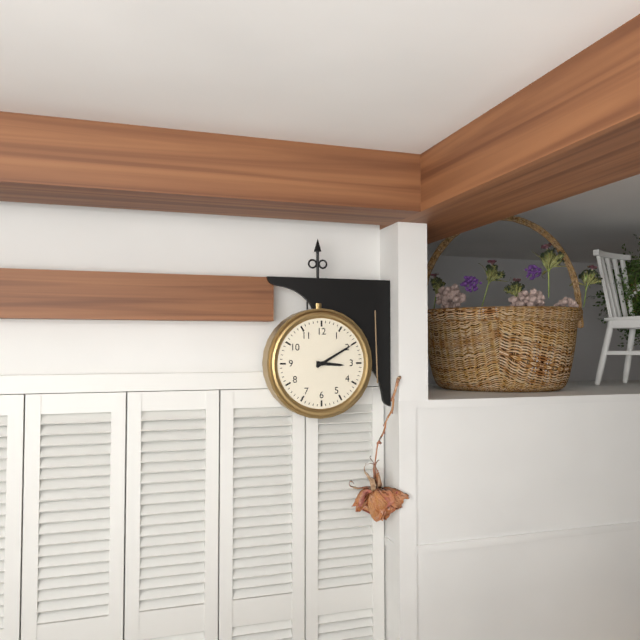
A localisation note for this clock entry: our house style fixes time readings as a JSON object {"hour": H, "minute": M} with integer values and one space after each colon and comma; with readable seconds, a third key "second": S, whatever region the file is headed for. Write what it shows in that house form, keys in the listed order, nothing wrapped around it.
{"hour": 3, "minute": 10}
